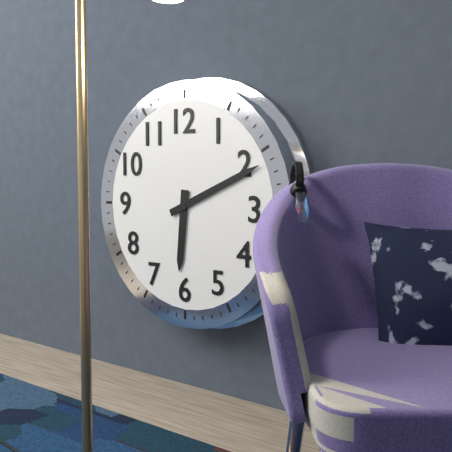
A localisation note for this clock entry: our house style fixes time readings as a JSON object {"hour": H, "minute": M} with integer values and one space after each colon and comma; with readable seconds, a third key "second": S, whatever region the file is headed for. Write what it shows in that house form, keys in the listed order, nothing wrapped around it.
{"hour": 6, "minute": 11}
